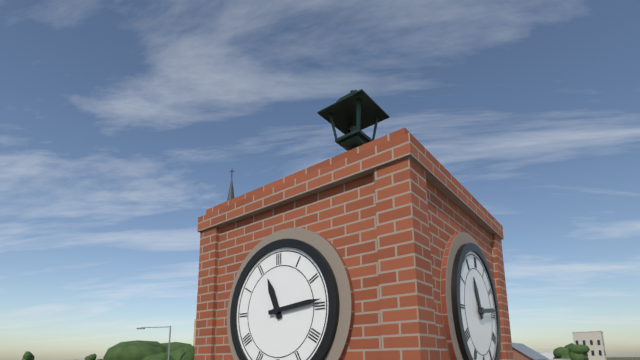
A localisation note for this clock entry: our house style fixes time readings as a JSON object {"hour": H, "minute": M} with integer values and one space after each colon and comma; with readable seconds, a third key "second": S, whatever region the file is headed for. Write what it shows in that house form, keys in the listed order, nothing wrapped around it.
{"hour": 11, "minute": 14}
